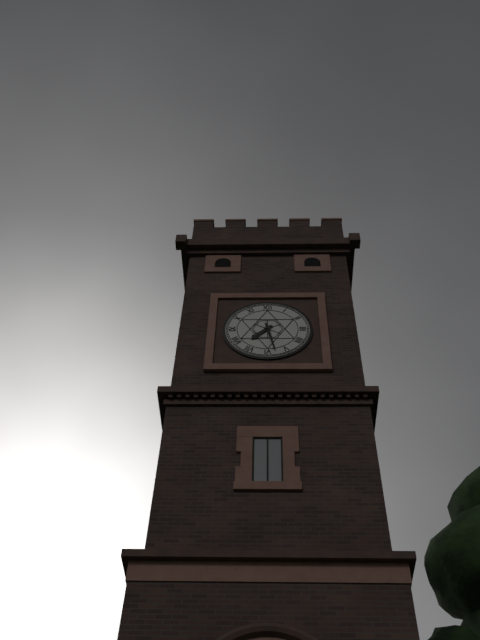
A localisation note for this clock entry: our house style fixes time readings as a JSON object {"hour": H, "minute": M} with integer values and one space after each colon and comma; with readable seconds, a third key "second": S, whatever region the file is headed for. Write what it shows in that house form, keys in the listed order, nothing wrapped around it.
{"hour": 7, "minute": 28}
